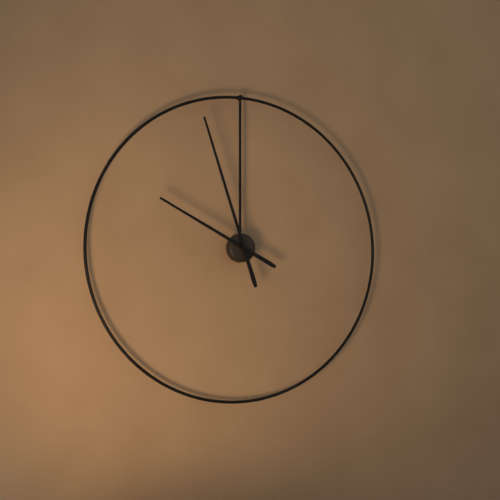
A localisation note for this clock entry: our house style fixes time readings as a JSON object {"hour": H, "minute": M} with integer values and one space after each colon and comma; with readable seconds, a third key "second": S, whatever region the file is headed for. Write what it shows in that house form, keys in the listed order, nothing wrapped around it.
{"hour": 9, "minute": 57}
